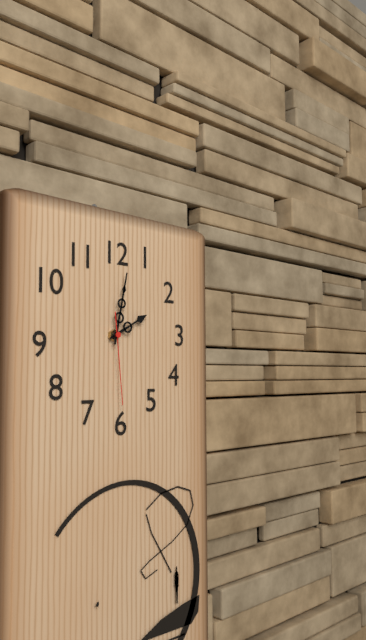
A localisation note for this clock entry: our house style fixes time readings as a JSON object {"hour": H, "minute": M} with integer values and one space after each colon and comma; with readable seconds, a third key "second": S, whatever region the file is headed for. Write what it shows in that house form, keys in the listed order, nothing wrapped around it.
{"hour": 2, "minute": 2, "second": 29}
